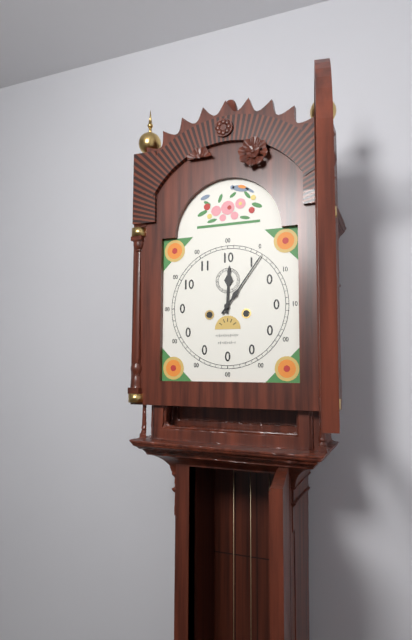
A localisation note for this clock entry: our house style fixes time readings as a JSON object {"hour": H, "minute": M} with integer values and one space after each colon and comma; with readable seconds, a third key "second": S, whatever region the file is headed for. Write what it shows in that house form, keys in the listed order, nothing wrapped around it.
{"hour": 12, "minute": 6}
